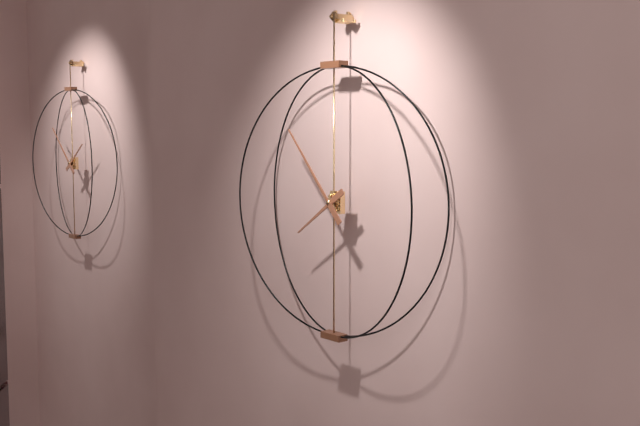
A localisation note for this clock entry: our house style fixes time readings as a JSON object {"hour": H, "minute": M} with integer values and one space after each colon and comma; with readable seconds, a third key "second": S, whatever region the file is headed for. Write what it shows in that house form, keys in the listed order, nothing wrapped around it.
{"hour": 7, "minute": 53}
